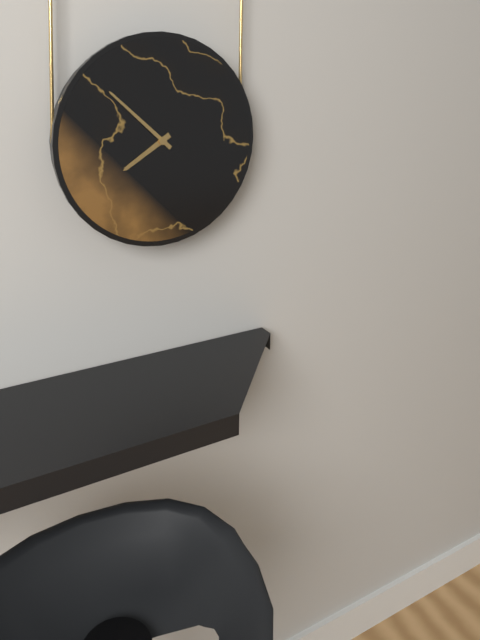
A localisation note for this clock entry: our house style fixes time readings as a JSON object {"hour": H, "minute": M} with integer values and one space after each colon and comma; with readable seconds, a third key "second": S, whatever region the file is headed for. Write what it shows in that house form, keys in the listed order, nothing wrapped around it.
{"hour": 7, "minute": 52}
